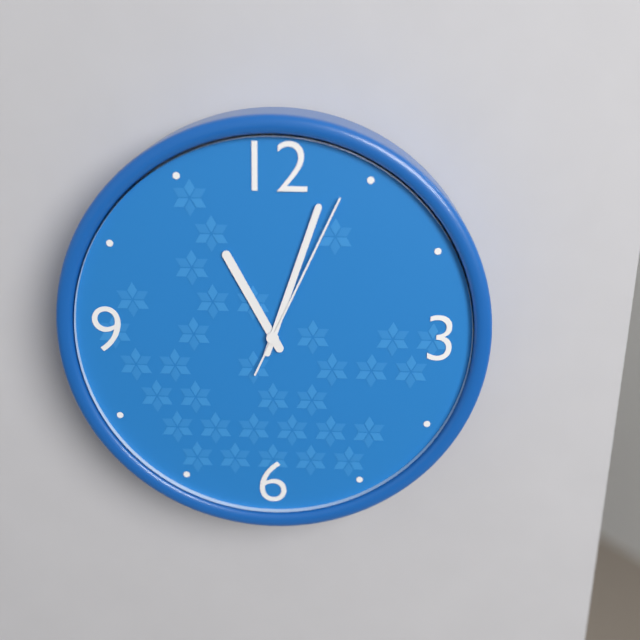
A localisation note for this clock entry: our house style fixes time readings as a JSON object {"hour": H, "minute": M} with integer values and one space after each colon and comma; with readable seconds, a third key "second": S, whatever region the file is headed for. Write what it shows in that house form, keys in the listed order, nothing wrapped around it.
{"hour": 11, "minute": 3, "second": 4}
